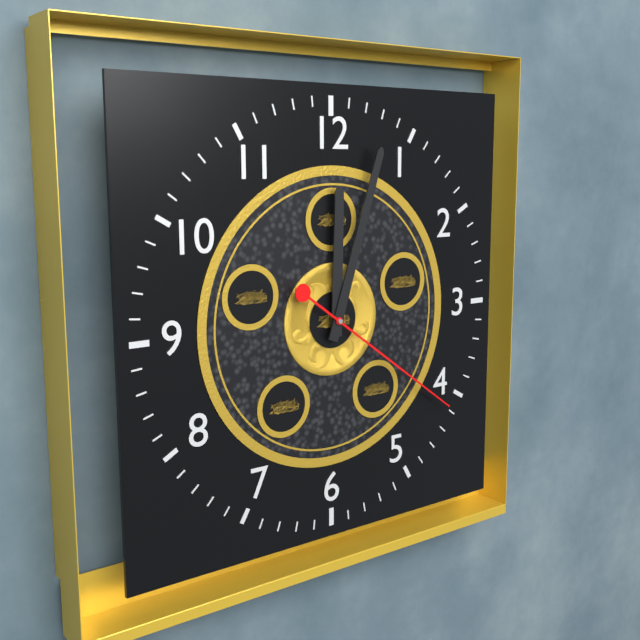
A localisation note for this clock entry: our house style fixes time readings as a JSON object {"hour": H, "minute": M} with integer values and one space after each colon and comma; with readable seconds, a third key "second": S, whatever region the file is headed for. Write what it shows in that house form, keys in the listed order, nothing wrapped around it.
{"hour": 12, "minute": 3, "second": 21}
